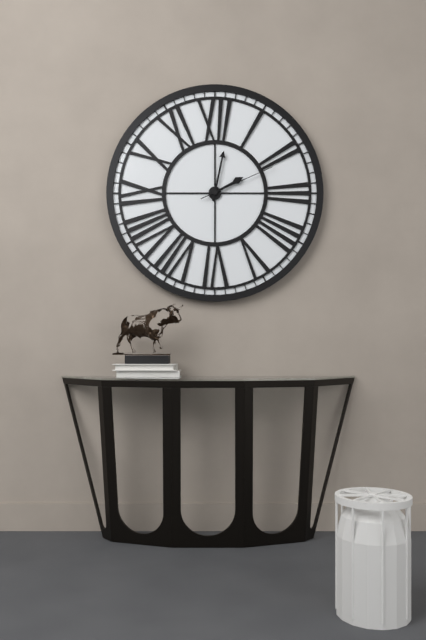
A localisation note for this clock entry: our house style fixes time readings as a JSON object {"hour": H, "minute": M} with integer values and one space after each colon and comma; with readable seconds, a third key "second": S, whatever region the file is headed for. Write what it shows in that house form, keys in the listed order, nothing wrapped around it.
{"hour": 2, "minute": 2, "second": 11}
